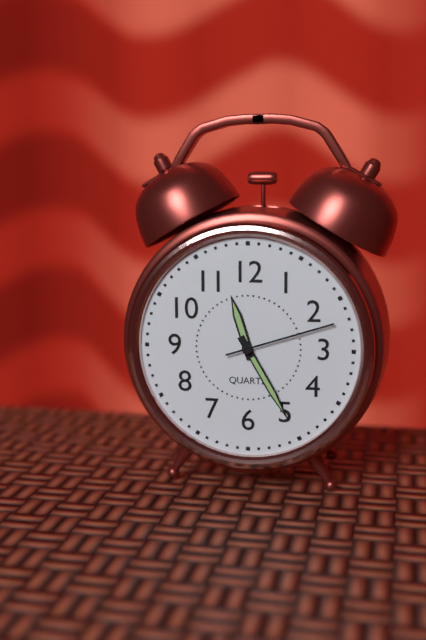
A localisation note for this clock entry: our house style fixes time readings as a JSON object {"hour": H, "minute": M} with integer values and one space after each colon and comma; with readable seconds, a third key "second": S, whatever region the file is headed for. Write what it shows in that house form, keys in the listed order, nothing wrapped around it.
{"hour": 11, "minute": 25, "second": 12}
